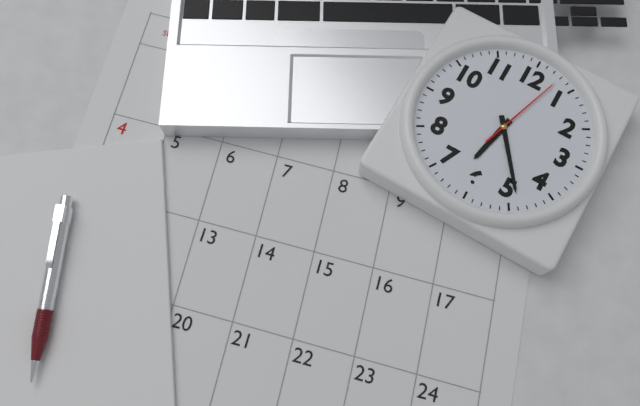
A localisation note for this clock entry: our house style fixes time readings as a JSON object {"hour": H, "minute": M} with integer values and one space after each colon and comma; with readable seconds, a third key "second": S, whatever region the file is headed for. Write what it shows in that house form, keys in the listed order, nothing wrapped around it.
{"hour": 6, "minute": 24, "second": 3}
